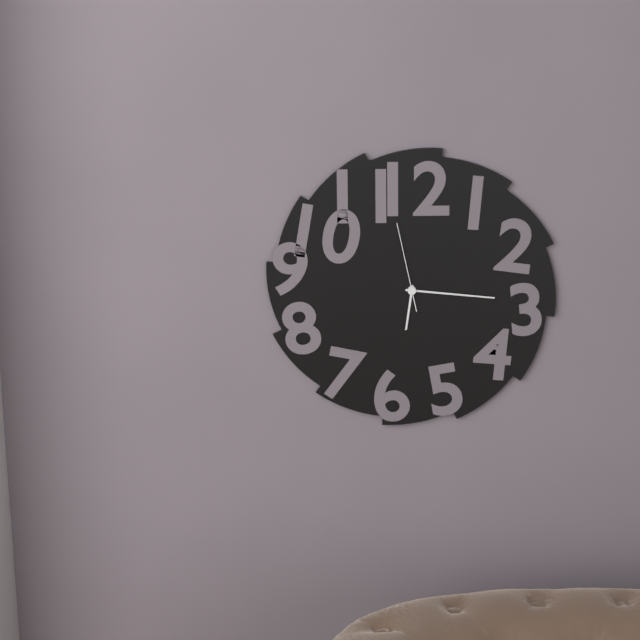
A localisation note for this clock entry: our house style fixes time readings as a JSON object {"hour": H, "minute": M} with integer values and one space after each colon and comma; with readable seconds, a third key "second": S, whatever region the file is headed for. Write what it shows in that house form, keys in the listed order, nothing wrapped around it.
{"hour": 6, "minute": 16, "second": 58}
